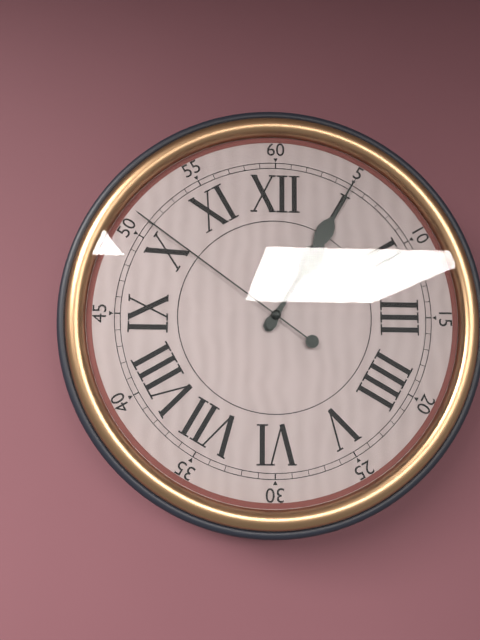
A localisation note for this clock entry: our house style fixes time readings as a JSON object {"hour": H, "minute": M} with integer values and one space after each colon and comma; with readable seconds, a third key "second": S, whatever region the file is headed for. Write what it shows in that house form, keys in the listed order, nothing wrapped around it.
{"hour": 1, "minute": 5, "second": 51}
